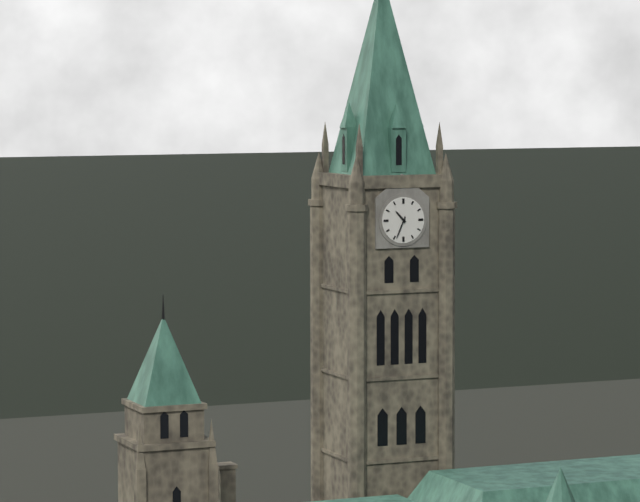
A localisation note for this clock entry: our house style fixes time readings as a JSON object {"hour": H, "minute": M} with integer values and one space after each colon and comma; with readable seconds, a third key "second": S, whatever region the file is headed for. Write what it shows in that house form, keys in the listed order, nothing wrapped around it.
{"hour": 10, "minute": 34}
